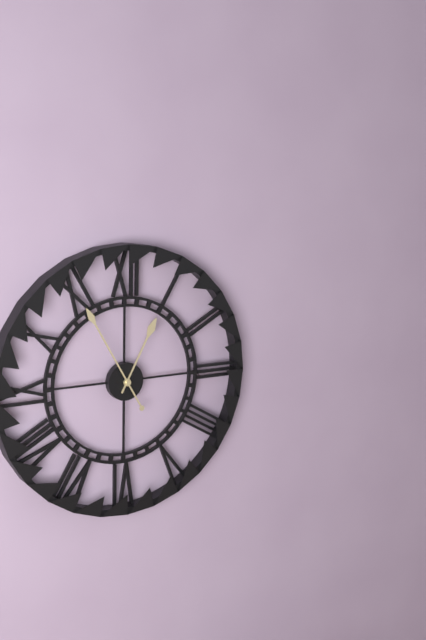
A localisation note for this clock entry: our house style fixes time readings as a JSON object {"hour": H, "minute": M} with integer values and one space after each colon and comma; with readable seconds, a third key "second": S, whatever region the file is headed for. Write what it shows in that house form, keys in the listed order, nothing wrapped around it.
{"hour": 12, "minute": 55}
